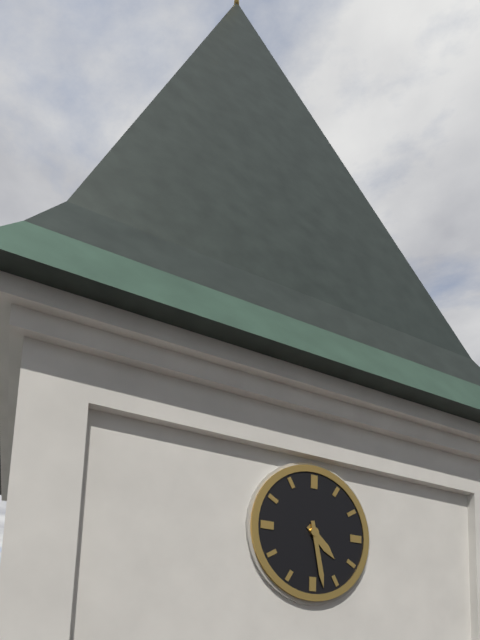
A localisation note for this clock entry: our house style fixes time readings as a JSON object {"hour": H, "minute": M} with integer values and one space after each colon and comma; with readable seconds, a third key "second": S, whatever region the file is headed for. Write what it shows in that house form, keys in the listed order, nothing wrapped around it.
{"hour": 4, "minute": 28}
